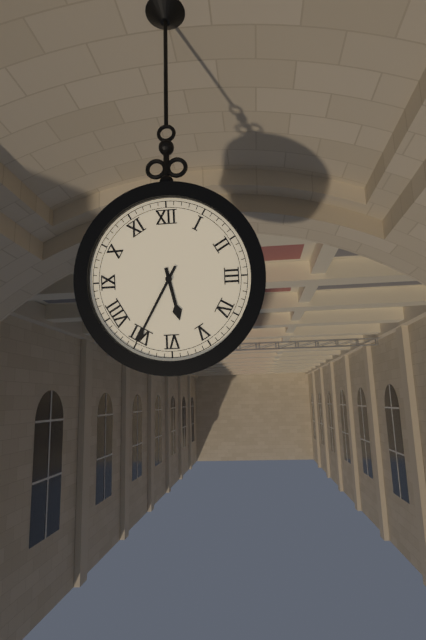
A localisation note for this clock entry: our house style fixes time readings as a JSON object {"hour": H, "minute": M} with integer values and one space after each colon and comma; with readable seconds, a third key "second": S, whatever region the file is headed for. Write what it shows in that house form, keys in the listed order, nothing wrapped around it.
{"hour": 5, "minute": 35}
